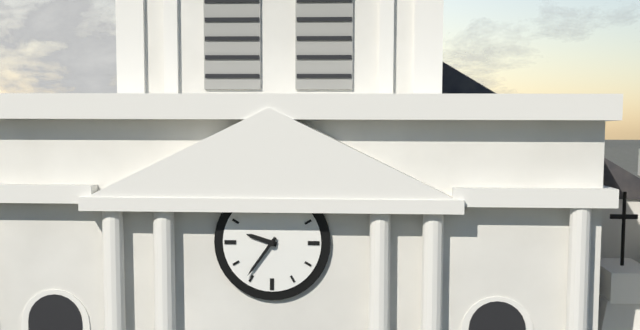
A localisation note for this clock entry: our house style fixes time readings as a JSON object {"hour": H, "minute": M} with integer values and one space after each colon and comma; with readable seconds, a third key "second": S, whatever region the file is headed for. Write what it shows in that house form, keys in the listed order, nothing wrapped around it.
{"hour": 9, "minute": 36}
